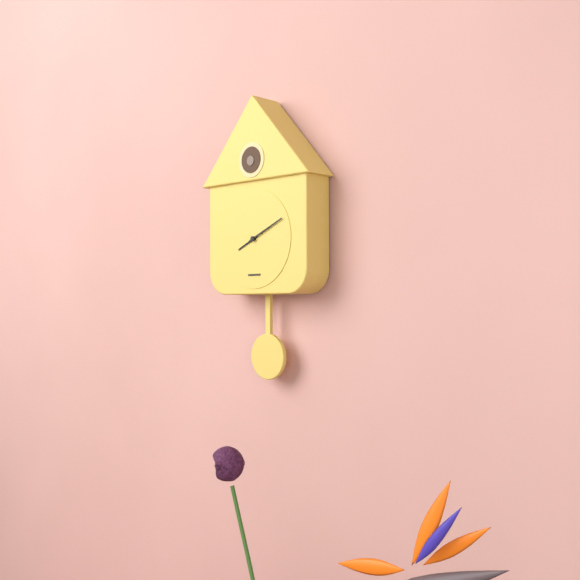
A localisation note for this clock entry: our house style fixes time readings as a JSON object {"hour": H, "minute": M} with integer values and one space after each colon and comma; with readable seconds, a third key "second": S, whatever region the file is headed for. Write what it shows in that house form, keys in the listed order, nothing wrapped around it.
{"hour": 8, "minute": 11}
